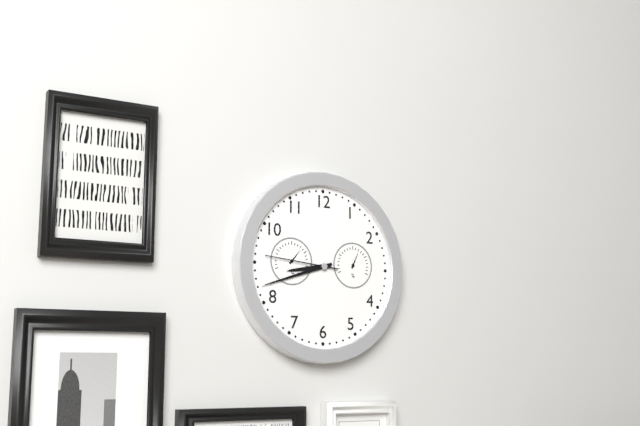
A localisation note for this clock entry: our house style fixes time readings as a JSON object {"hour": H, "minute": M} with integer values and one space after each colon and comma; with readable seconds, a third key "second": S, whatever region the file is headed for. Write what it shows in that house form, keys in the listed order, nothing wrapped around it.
{"hour": 8, "minute": 42, "second": 46}
